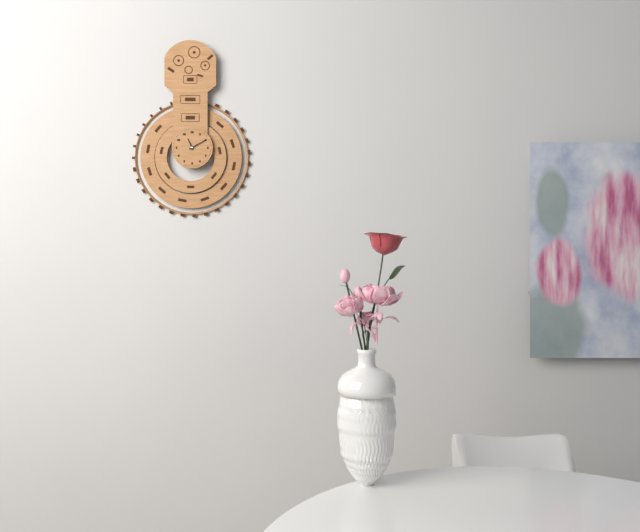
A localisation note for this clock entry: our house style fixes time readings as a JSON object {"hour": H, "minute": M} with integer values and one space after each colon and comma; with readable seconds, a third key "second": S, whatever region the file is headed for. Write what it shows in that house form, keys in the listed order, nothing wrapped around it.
{"hour": 11, "minute": 10}
